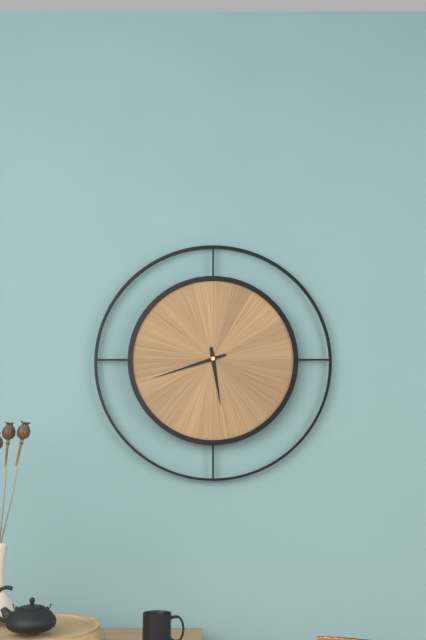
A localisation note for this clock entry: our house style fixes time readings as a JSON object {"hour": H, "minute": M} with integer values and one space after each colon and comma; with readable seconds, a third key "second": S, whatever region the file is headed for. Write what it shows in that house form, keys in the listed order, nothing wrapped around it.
{"hour": 5, "minute": 42}
